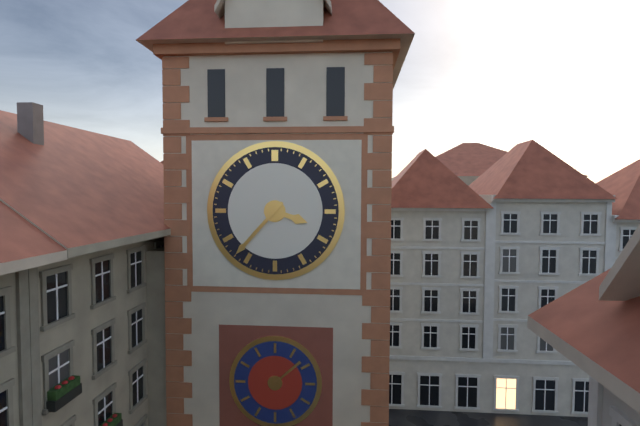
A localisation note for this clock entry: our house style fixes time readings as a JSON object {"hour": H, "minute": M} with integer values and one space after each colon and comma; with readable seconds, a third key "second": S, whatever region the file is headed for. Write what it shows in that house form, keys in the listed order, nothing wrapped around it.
{"hour": 3, "minute": 37}
